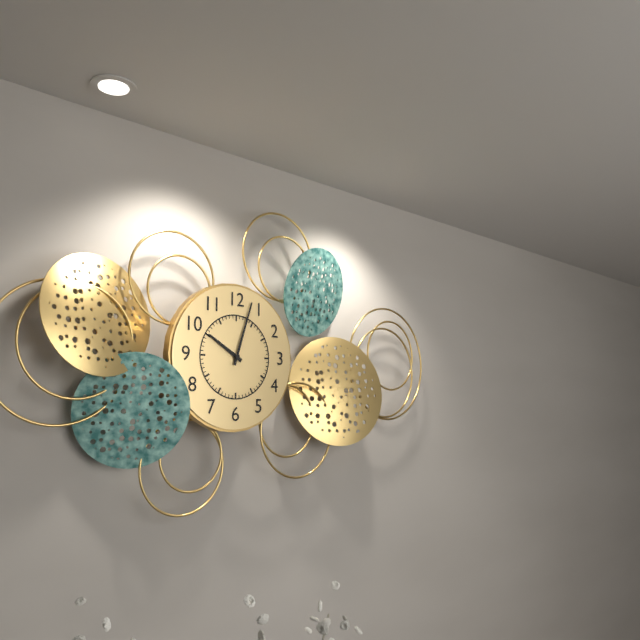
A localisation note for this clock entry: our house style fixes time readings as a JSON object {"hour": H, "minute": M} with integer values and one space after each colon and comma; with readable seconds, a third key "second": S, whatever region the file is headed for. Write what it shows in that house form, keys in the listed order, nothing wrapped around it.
{"hour": 10, "minute": 3}
